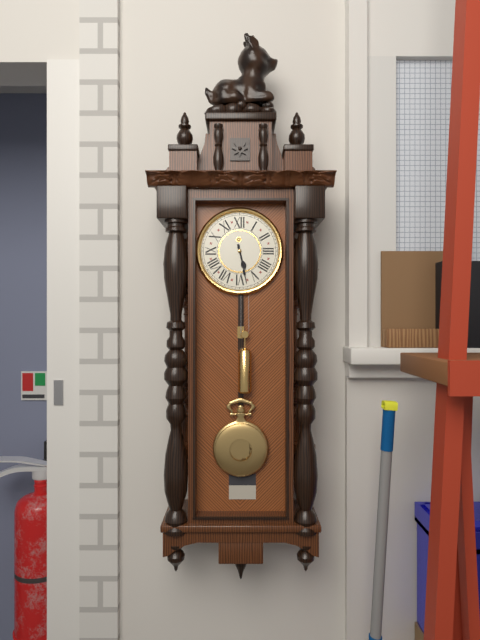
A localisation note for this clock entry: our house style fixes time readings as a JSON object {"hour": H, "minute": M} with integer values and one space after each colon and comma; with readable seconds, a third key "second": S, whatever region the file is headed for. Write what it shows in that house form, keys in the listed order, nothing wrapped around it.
{"hour": 5, "minute": 28}
